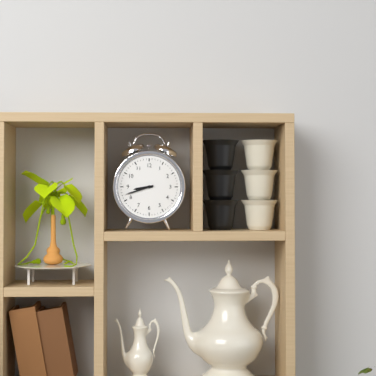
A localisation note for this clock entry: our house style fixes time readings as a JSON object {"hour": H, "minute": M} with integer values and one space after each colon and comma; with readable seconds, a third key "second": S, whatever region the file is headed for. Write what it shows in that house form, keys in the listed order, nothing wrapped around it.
{"hour": 8, "minute": 42}
